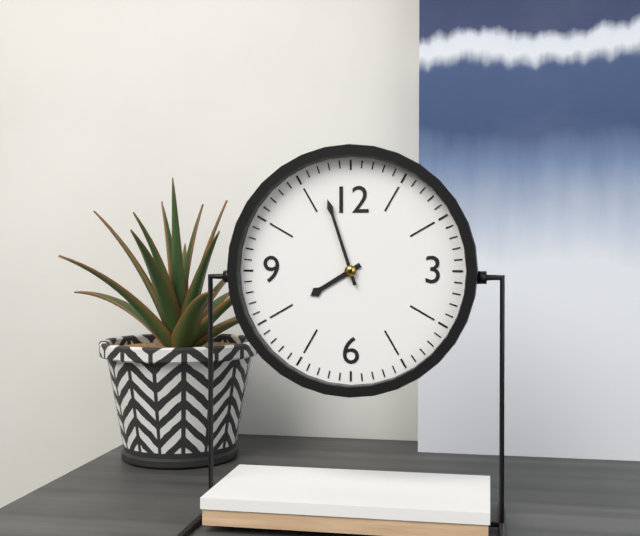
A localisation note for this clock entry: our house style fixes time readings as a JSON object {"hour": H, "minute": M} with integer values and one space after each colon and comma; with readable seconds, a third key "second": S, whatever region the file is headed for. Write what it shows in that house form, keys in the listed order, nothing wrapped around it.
{"hour": 7, "minute": 57}
